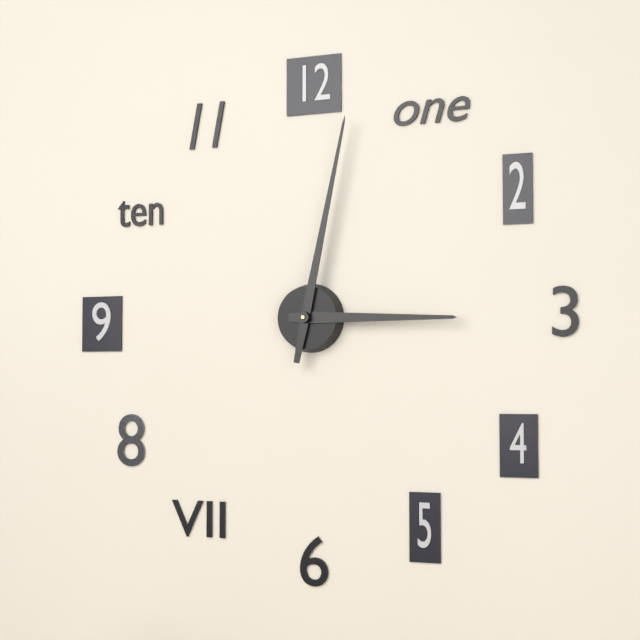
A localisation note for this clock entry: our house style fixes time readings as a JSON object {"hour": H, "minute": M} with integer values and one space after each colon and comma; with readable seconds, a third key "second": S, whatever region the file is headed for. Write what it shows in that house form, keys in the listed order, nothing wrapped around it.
{"hour": 3, "minute": 2}
